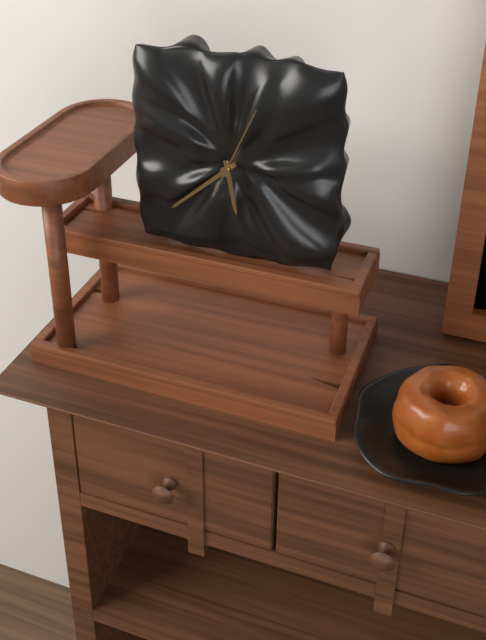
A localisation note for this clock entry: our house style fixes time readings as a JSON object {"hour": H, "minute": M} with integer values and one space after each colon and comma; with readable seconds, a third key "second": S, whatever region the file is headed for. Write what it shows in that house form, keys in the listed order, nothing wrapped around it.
{"hour": 5, "minute": 38, "second": 4}
